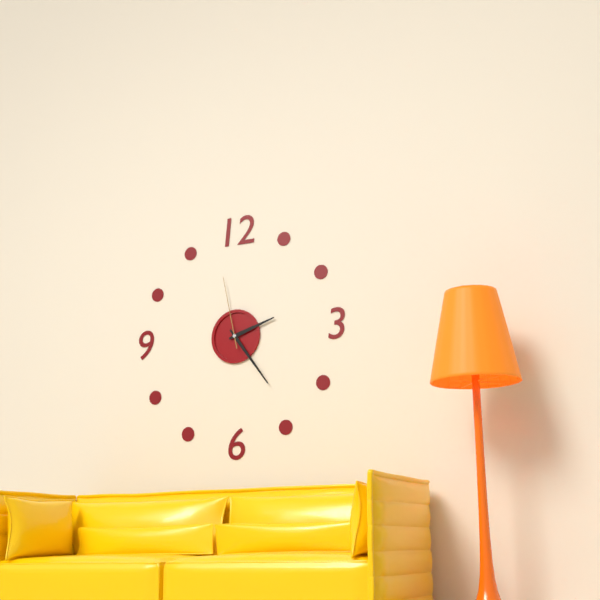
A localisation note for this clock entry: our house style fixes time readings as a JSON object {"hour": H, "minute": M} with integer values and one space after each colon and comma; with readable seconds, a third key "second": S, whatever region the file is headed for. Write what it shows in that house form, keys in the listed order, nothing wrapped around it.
{"hour": 2, "minute": 24, "second": 58}
